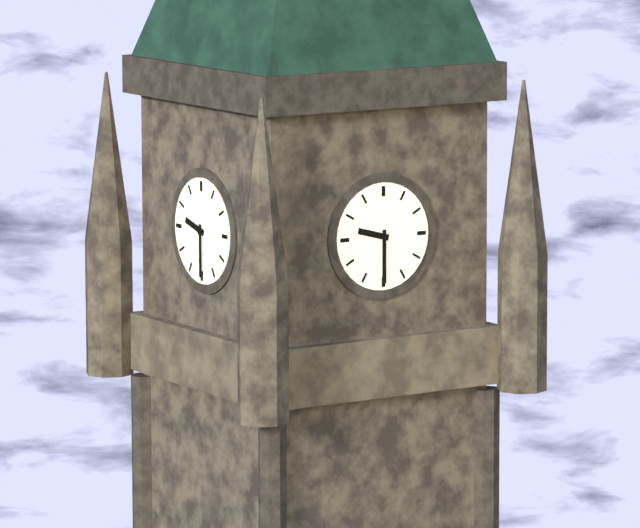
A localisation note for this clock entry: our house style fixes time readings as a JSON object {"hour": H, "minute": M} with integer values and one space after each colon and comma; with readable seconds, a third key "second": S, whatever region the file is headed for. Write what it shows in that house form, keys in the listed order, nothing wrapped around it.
{"hour": 9, "minute": 30}
